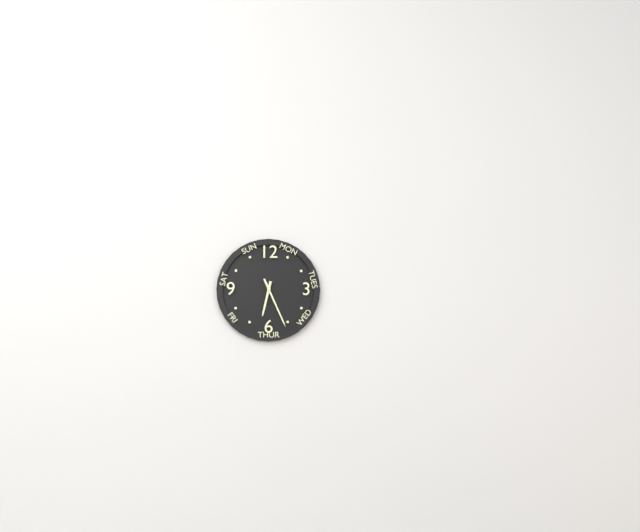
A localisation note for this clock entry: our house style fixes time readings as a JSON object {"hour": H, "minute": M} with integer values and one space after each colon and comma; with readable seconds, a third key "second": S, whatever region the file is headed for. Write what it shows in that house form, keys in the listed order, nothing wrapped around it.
{"hour": 6, "minute": 26}
